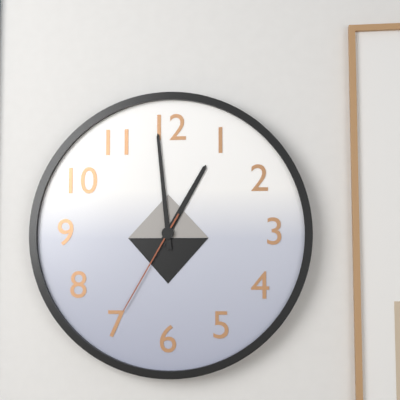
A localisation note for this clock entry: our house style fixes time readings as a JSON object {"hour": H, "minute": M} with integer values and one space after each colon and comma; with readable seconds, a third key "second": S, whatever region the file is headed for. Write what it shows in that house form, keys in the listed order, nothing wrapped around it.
{"hour": 12, "minute": 59, "second": 35}
